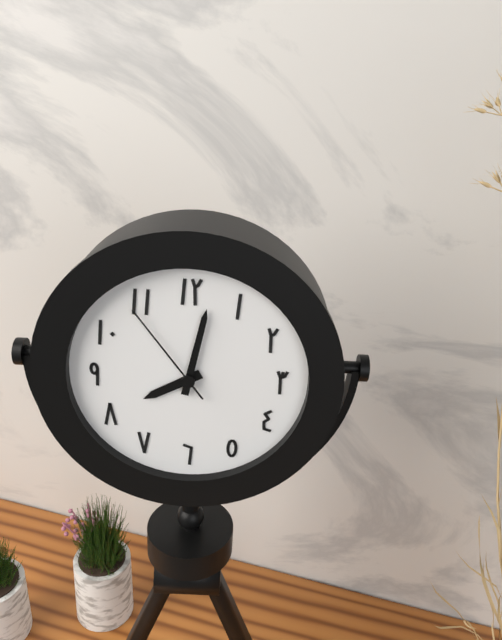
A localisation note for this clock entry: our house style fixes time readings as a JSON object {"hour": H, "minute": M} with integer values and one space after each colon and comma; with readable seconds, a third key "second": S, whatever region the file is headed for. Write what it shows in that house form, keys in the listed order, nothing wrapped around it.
{"hour": 8, "minute": 2, "second": 54}
